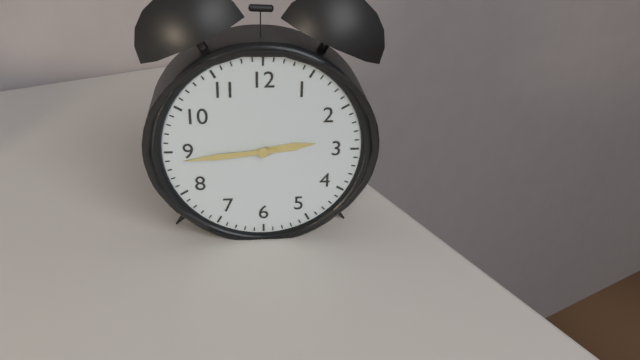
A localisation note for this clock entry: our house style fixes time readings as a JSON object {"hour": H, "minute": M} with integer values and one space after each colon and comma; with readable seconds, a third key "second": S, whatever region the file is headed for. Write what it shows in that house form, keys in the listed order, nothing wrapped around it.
{"hour": 2, "minute": 44}
